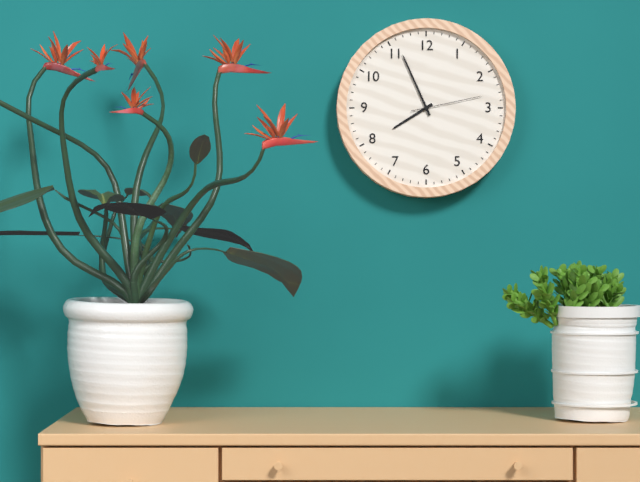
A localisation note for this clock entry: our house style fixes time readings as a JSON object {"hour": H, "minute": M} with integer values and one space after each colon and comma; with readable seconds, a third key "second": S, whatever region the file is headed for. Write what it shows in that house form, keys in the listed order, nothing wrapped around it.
{"hour": 7, "minute": 56, "second": 13}
